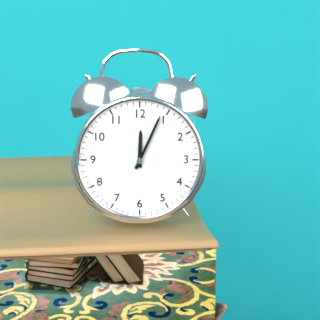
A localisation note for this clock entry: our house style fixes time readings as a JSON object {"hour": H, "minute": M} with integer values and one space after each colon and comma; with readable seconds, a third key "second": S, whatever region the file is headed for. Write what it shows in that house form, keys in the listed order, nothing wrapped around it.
{"hour": 12, "minute": 4}
